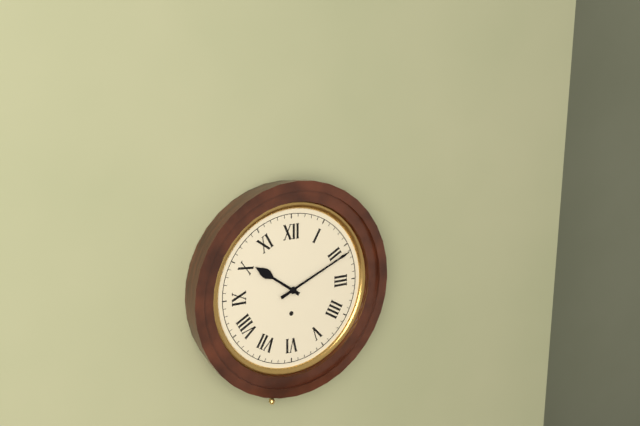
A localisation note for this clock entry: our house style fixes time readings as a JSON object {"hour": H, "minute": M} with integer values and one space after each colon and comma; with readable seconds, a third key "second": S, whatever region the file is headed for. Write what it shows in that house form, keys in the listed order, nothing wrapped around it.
{"hour": 10, "minute": 11}
